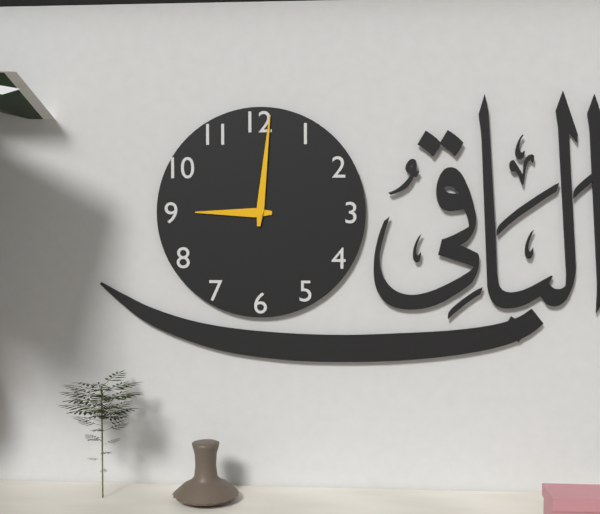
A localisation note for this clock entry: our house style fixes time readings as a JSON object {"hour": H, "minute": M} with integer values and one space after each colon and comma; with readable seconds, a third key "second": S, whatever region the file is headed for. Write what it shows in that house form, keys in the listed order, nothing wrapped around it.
{"hour": 9, "minute": 1}
